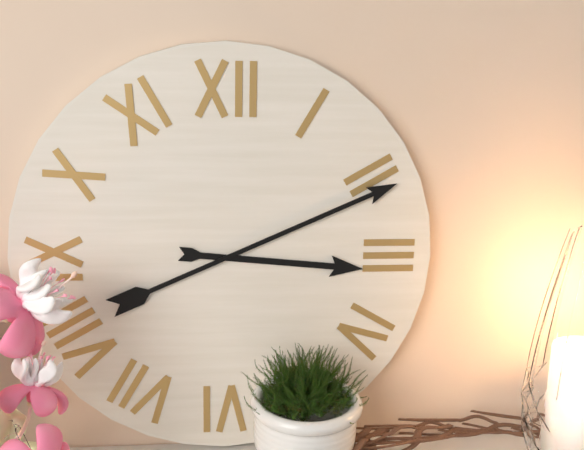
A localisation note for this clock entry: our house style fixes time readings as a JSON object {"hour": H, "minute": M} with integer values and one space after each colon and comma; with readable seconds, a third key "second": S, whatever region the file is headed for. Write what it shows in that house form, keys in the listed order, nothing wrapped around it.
{"hour": 3, "minute": 11}
